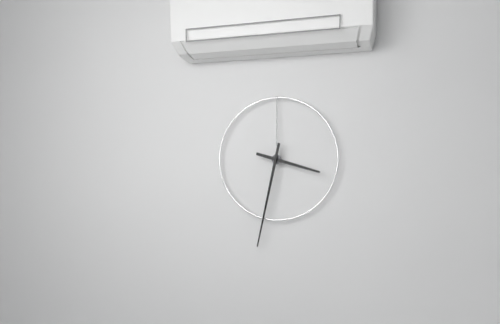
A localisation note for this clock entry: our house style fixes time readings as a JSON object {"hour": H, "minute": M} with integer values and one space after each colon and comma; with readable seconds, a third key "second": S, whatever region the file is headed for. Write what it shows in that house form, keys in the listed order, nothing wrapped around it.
{"hour": 3, "minute": 32}
